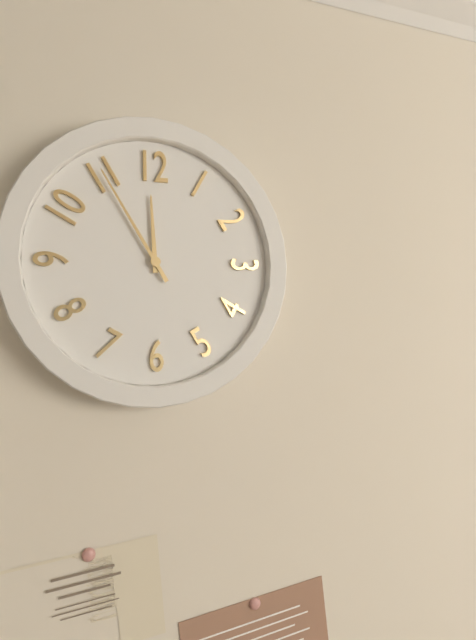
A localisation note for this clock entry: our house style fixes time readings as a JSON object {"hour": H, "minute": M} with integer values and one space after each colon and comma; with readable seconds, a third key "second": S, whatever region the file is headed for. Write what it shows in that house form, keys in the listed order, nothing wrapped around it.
{"hour": 11, "minute": 55}
